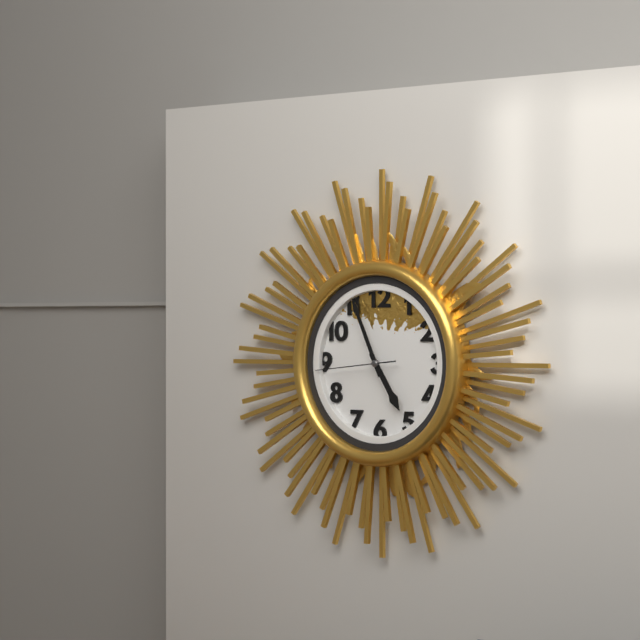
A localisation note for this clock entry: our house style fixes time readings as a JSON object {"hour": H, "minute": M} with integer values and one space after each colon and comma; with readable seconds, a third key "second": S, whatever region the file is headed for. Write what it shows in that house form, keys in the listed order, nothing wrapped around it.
{"hour": 4, "minute": 56, "second": 44}
